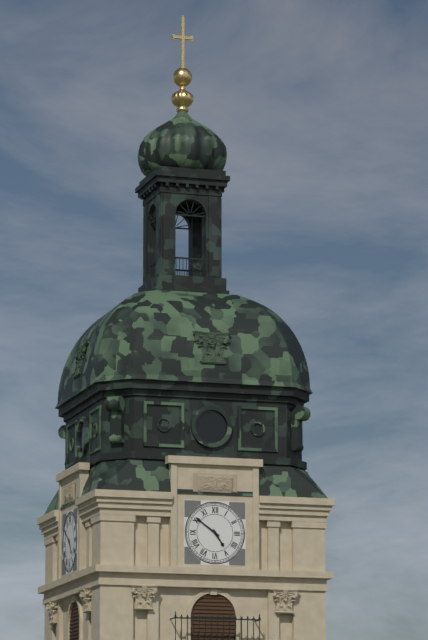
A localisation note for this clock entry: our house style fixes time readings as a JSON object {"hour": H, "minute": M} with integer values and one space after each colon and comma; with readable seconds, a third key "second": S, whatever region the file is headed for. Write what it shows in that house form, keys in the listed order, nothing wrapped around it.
{"hour": 4, "minute": 51}
